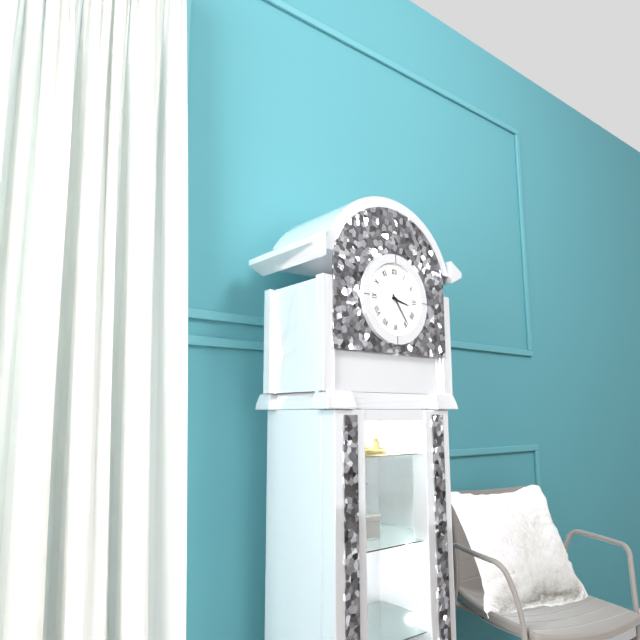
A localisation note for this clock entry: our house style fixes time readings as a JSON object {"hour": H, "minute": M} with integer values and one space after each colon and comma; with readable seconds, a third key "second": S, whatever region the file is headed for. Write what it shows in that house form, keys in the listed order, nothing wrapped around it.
{"hour": 3, "minute": 24}
